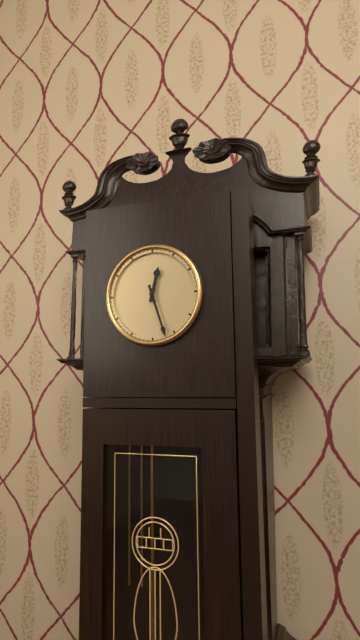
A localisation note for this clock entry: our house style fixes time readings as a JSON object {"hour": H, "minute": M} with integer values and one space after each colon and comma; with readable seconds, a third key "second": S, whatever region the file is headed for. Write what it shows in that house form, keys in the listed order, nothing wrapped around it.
{"hour": 12, "minute": 27}
